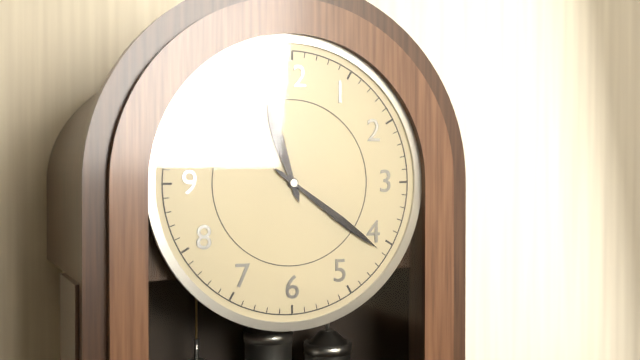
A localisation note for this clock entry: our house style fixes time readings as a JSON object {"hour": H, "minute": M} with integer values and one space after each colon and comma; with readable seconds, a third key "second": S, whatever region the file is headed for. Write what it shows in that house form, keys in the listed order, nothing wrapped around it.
{"hour": 11, "minute": 21}
